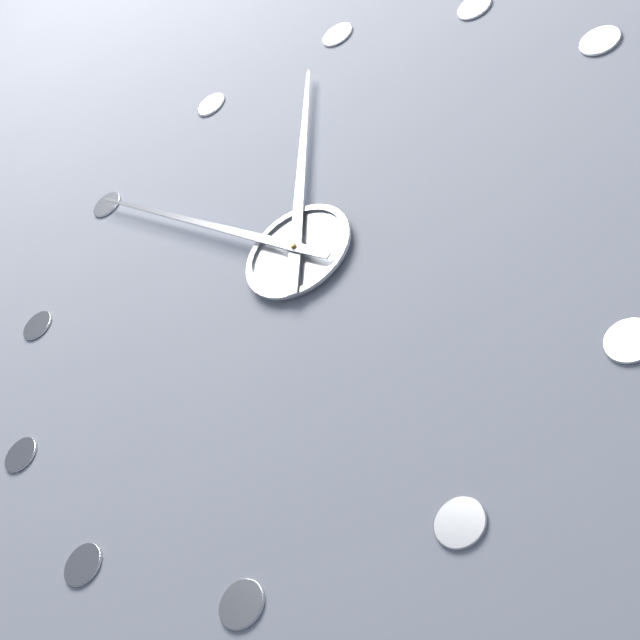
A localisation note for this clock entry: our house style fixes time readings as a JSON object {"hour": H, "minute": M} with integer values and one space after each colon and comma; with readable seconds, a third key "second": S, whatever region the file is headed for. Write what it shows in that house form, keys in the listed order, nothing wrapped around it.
{"hour": 11, "minute": 50}
